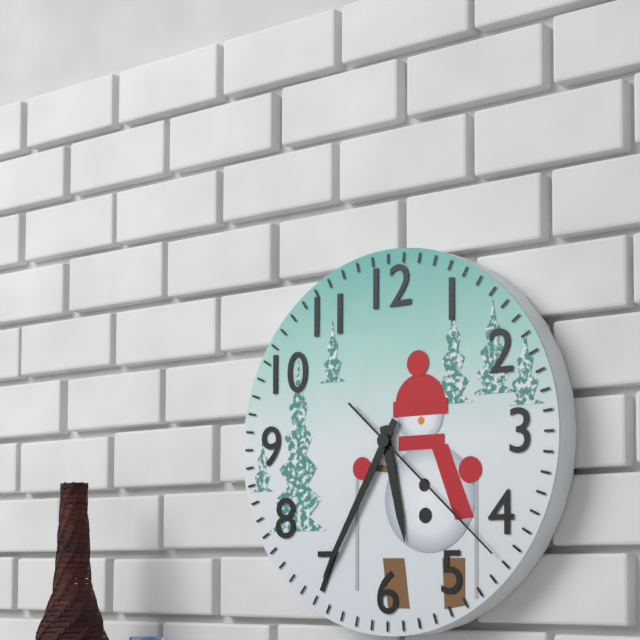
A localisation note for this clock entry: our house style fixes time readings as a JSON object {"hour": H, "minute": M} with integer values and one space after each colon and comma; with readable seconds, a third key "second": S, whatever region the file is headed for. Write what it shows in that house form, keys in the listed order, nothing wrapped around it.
{"hour": 5, "minute": 35, "second": 22}
